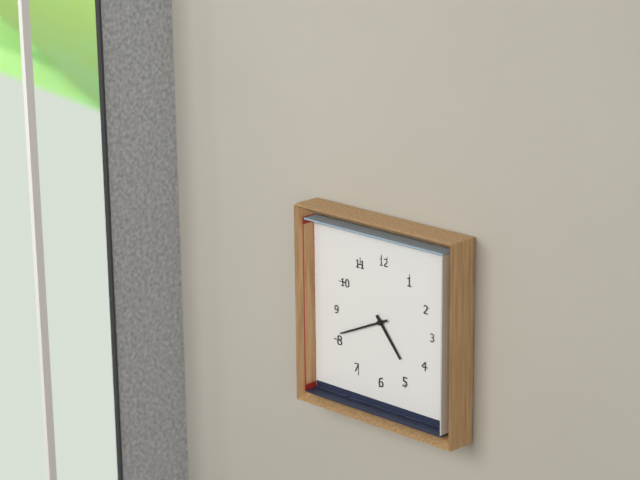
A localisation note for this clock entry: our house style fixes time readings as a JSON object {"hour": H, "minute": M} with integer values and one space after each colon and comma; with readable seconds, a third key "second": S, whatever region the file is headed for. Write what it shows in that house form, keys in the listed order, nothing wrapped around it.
{"hour": 4, "minute": 41}
